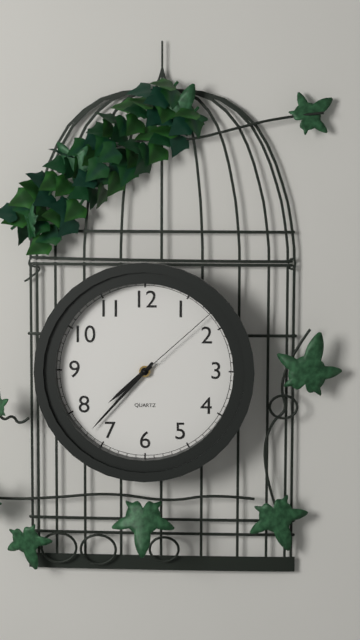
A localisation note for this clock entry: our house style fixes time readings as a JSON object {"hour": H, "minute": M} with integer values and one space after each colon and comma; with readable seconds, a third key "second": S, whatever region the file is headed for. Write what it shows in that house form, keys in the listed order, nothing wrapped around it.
{"hour": 7, "minute": 37, "second": 8}
